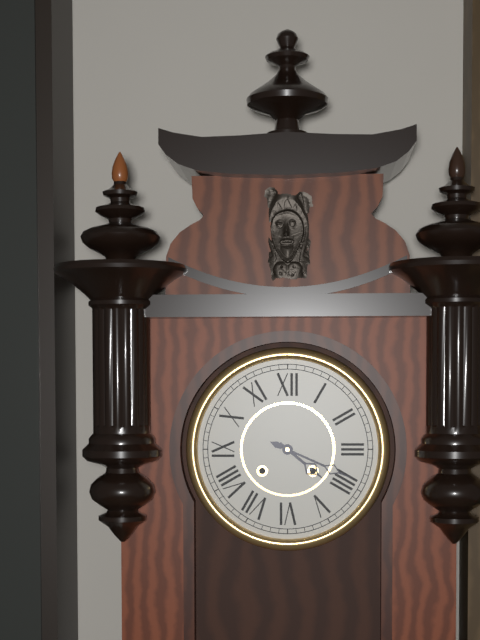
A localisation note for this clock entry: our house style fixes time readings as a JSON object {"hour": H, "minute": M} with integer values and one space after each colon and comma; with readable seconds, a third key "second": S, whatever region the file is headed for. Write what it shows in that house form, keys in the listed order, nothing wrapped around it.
{"hour": 4, "minute": 19}
